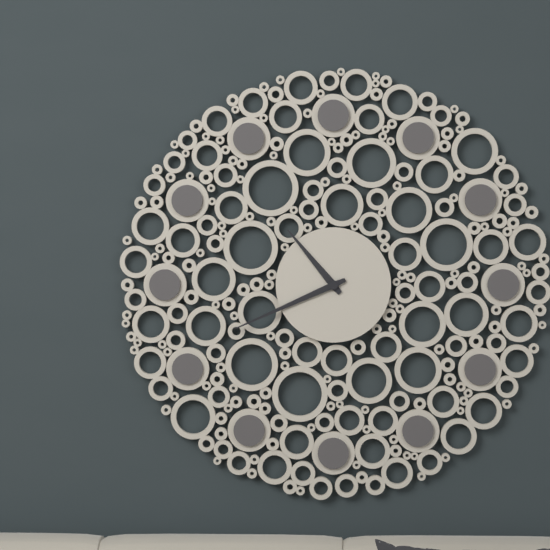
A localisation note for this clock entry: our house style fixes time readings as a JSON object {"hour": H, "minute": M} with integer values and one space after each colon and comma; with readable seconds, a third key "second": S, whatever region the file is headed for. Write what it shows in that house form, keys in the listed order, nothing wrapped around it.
{"hour": 10, "minute": 41}
